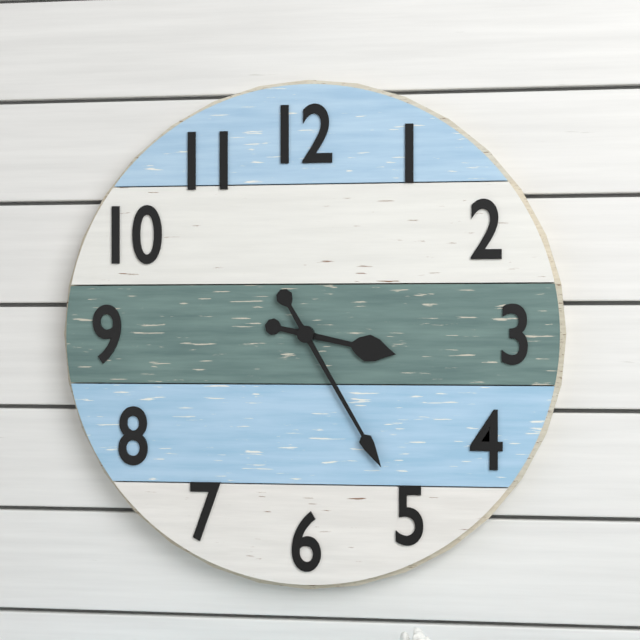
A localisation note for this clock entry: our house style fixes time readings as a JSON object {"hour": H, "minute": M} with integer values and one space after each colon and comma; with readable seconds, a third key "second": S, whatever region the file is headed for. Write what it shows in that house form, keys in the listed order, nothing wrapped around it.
{"hour": 3, "minute": 25}
